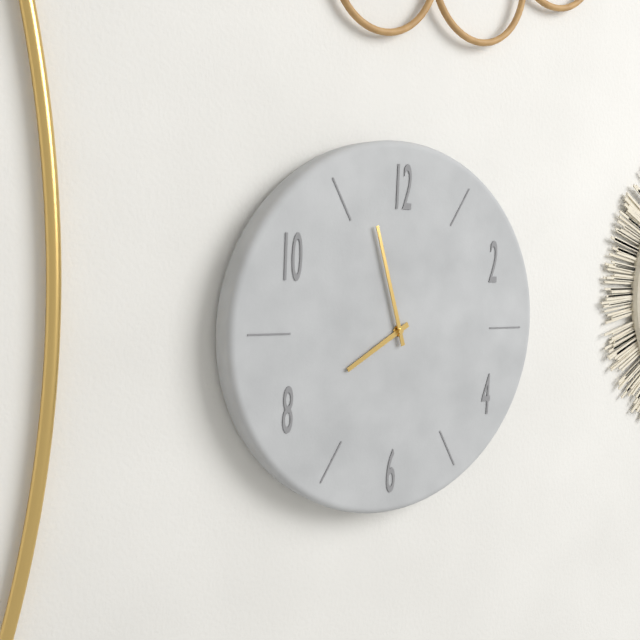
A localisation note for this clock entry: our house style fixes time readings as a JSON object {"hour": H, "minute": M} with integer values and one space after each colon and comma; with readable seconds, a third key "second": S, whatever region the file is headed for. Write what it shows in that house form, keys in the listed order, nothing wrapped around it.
{"hour": 7, "minute": 57}
